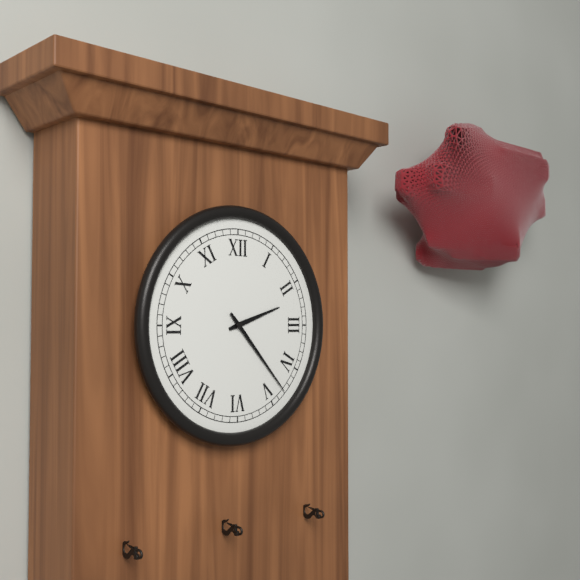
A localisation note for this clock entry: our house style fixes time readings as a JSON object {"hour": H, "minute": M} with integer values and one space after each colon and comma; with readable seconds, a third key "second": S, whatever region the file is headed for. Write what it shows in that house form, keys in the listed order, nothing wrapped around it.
{"hour": 2, "minute": 23}
